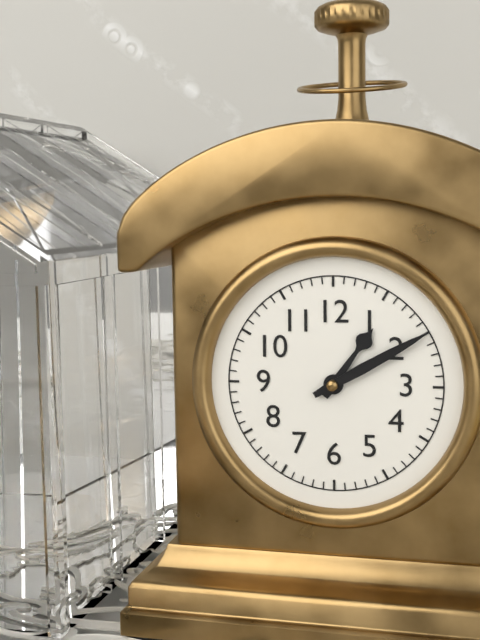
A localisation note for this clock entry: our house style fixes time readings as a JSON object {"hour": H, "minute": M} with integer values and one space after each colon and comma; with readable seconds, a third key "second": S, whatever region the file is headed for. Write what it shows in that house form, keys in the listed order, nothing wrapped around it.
{"hour": 1, "minute": 10}
